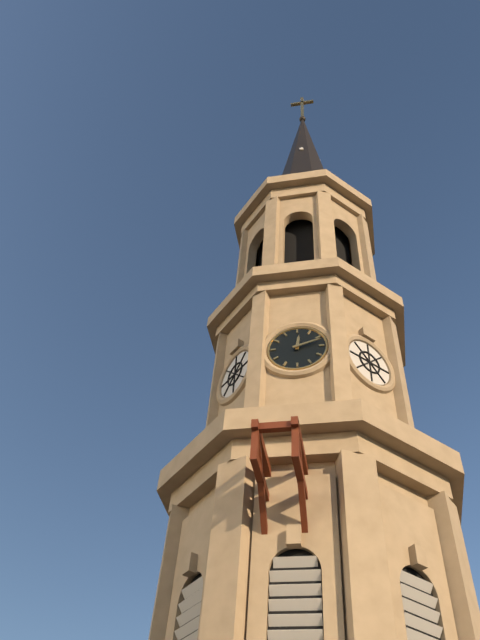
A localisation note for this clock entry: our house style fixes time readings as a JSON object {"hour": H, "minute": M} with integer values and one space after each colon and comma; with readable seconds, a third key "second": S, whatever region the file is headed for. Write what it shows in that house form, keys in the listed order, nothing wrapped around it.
{"hour": 12, "minute": 12}
